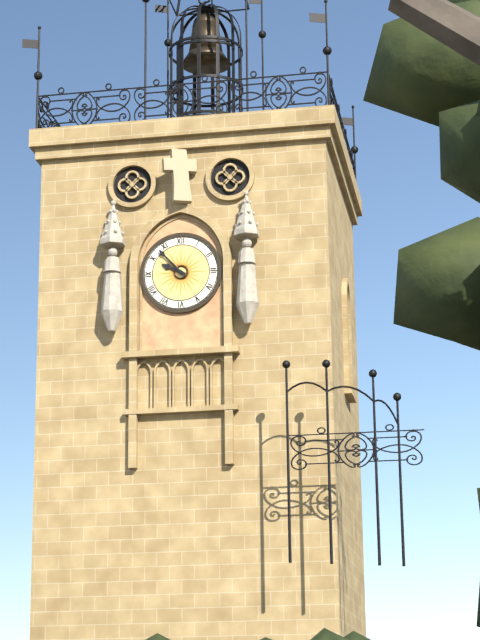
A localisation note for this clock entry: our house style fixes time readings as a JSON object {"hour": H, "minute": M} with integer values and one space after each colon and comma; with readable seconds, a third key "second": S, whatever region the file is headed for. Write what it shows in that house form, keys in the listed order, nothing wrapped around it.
{"hour": 9, "minute": 53}
